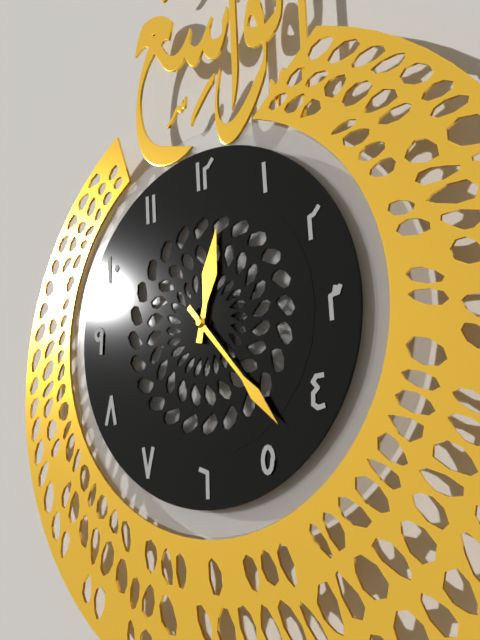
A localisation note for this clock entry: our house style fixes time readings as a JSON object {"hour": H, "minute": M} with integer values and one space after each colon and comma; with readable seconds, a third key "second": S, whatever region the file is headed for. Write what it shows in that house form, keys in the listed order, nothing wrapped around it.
{"hour": 12, "minute": 23}
